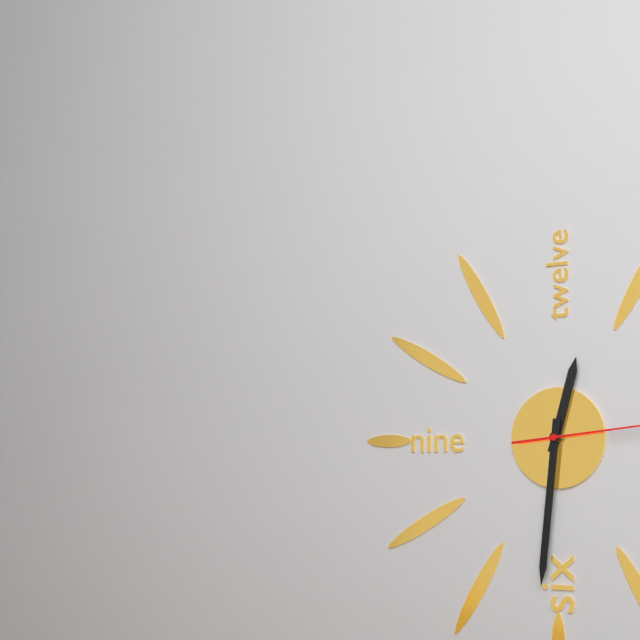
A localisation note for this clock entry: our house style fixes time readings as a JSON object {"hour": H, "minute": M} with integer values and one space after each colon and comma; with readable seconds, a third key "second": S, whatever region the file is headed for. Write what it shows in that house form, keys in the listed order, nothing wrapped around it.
{"hour": 12, "minute": 31}
